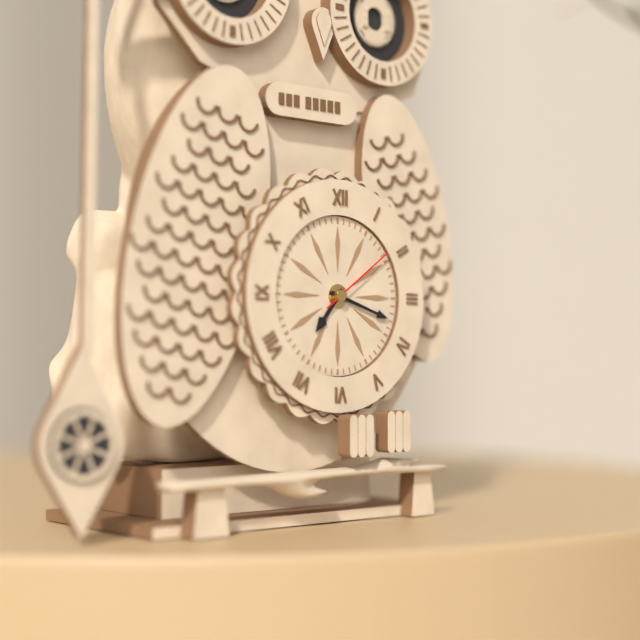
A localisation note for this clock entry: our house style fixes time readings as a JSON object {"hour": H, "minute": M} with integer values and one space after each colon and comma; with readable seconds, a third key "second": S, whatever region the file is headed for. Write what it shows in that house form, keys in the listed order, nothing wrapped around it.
{"hour": 7, "minute": 18, "second": 9}
